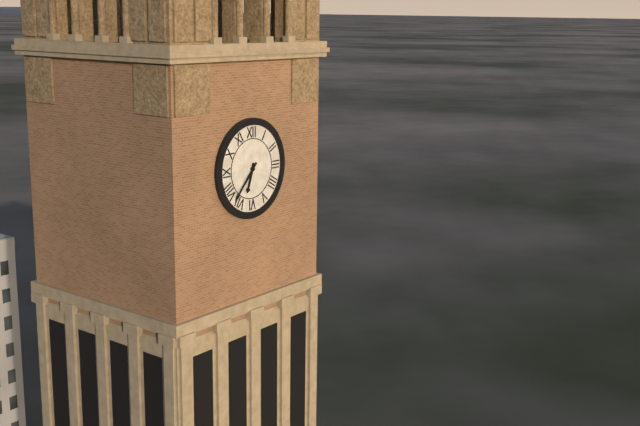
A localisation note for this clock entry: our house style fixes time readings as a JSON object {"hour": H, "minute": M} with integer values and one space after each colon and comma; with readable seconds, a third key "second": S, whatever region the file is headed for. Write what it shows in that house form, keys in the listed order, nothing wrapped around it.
{"hour": 6, "minute": 37}
